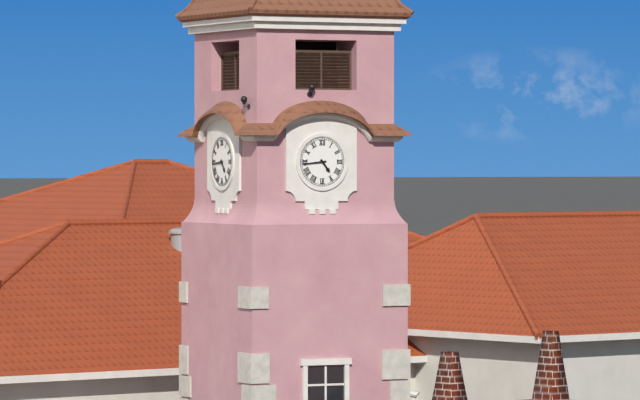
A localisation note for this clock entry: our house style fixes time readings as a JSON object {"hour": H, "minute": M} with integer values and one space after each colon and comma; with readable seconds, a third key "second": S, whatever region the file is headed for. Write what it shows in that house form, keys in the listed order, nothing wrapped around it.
{"hour": 4, "minute": 44}
